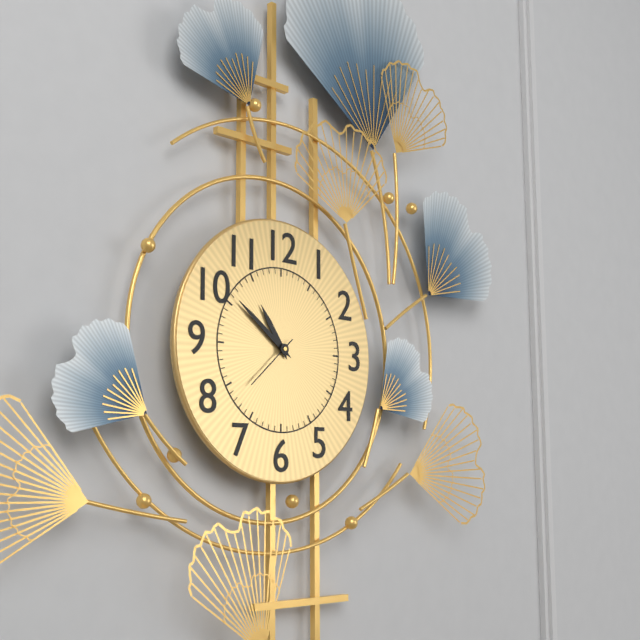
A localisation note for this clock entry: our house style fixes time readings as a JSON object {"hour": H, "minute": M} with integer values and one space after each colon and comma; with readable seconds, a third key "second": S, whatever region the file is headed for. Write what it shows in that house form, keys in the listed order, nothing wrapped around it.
{"hour": 10, "minute": 51, "second": 38}
